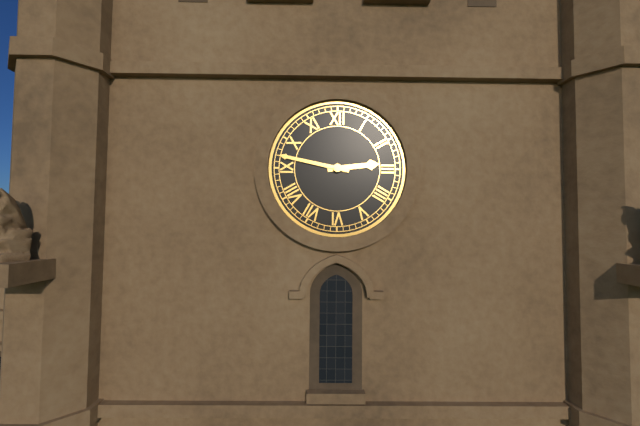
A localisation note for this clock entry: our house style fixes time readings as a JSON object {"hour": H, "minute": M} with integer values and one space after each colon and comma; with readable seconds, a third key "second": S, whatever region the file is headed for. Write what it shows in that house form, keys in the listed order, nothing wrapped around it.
{"hour": 2, "minute": 47}
